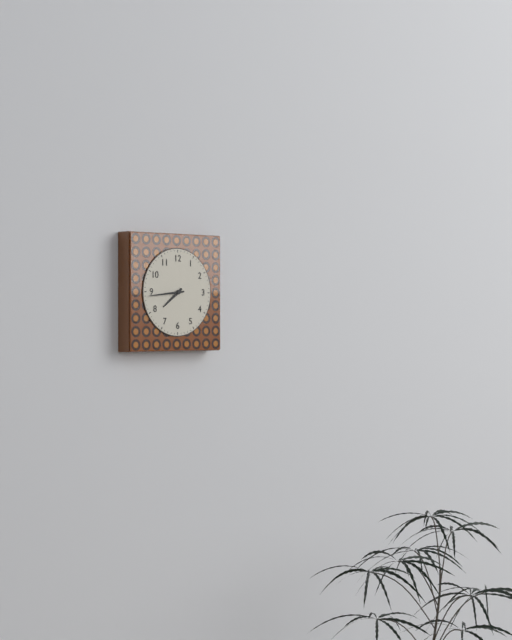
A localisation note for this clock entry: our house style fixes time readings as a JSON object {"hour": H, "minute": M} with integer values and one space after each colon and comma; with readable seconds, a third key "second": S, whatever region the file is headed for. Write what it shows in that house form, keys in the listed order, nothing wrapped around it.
{"hour": 7, "minute": 44}
